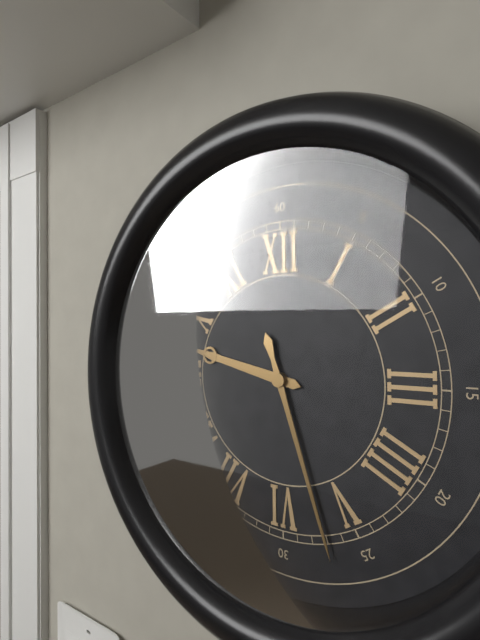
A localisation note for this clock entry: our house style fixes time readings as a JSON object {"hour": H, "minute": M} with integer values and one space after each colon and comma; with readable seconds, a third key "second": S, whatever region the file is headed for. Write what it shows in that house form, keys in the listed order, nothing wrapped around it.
{"hour": 9, "minute": 27}
